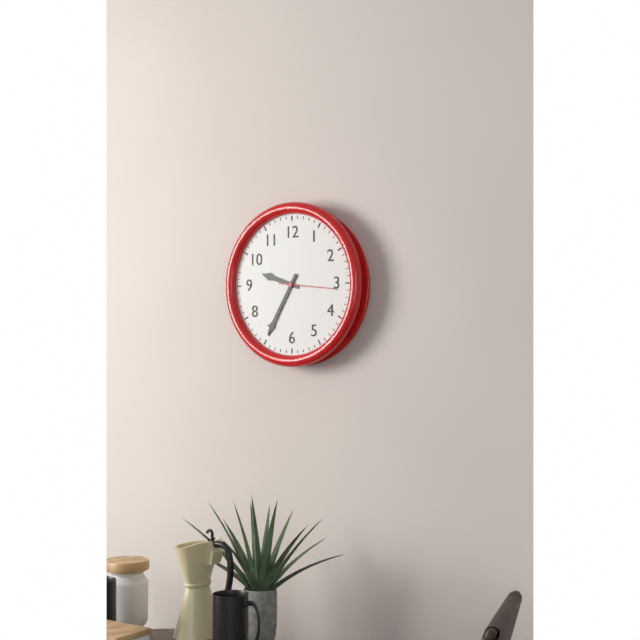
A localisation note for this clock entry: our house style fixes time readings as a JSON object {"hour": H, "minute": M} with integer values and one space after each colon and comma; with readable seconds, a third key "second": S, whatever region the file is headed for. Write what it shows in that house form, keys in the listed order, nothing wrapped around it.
{"hour": 9, "minute": 35, "second": 16}
